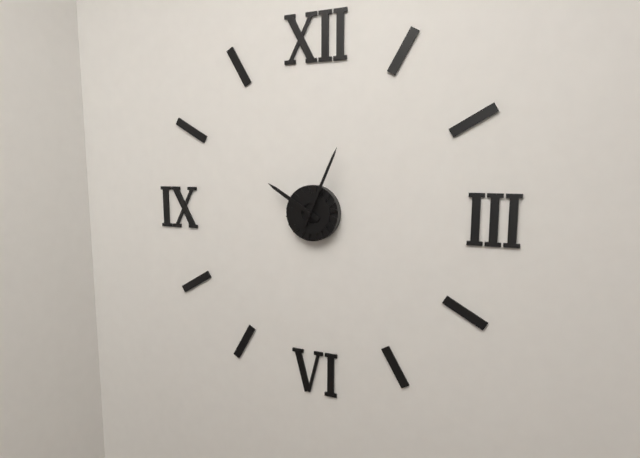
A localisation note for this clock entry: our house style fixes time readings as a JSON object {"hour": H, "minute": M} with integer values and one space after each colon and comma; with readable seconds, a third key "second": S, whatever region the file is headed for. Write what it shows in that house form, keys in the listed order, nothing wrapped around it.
{"hour": 10, "minute": 4}
